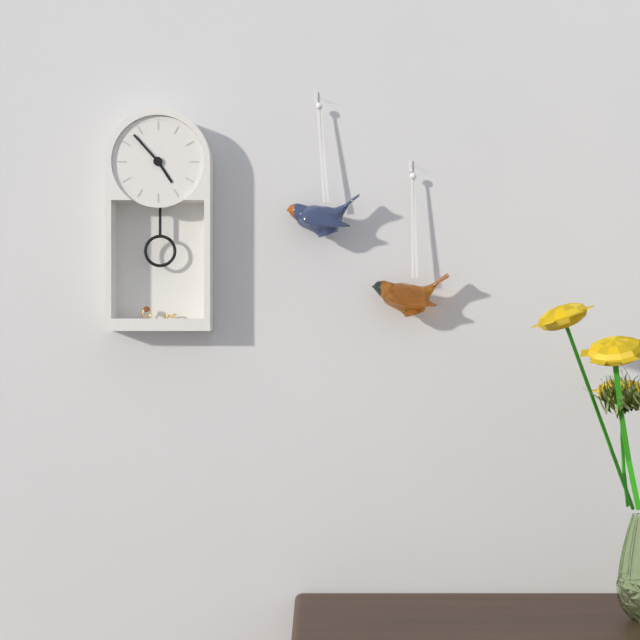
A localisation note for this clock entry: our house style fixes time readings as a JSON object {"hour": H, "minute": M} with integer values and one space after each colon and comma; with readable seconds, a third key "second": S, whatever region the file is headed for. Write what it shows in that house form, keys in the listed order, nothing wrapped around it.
{"hour": 4, "minute": 53}
